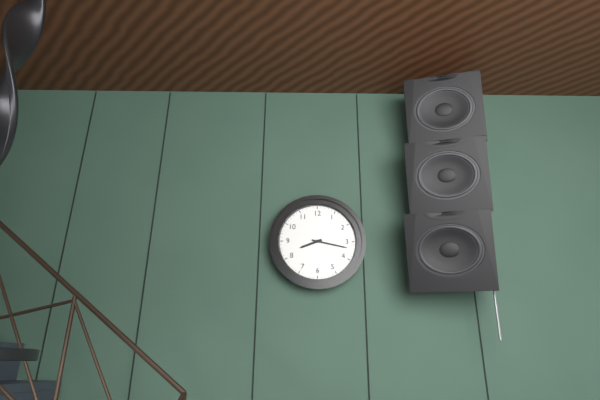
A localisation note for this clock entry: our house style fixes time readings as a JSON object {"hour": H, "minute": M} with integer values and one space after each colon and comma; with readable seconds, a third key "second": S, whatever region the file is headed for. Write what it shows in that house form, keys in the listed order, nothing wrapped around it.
{"hour": 8, "minute": 17}
